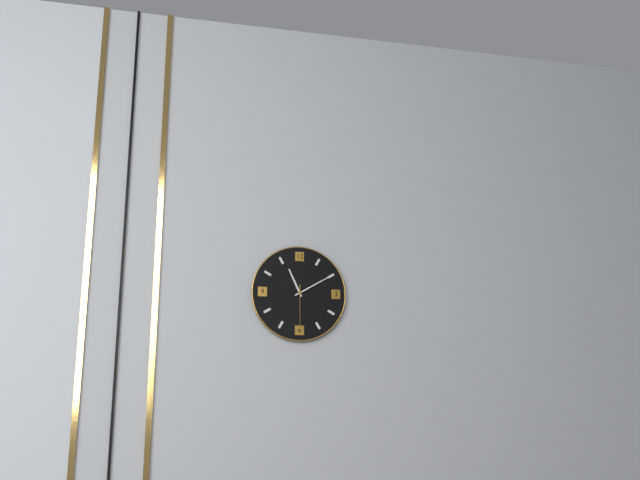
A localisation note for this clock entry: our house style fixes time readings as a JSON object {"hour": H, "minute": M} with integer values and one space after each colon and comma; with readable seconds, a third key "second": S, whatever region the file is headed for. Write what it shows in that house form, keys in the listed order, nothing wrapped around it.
{"hour": 11, "minute": 10, "second": 30}
